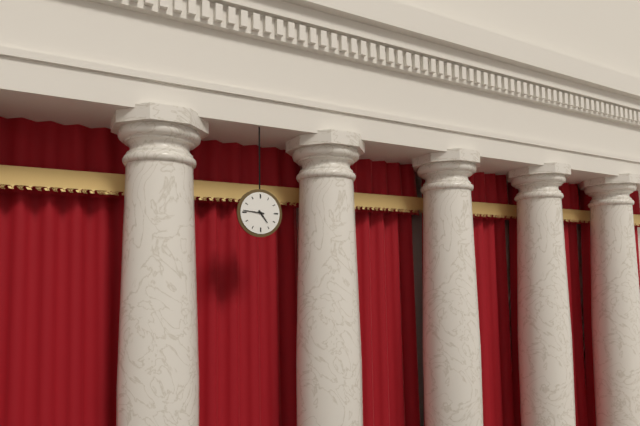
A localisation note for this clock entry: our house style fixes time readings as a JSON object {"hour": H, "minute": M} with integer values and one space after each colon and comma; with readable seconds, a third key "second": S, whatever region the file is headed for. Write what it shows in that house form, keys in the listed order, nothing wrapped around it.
{"hour": 4, "minute": 46}
